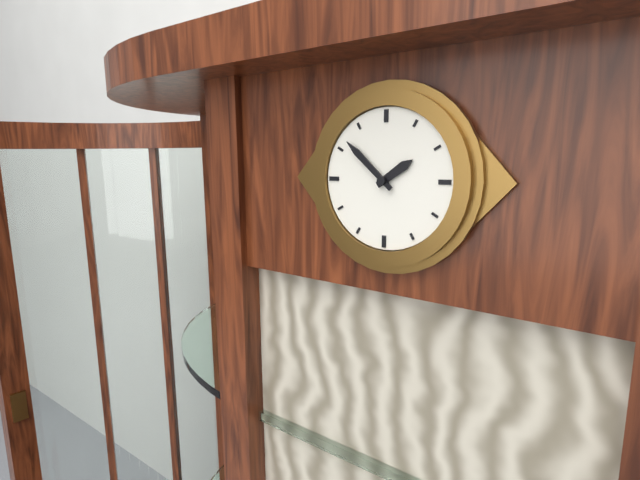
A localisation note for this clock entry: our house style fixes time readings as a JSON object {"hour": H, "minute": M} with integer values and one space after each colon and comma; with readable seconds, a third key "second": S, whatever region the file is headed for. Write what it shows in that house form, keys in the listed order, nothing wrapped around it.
{"hour": 1, "minute": 52}
